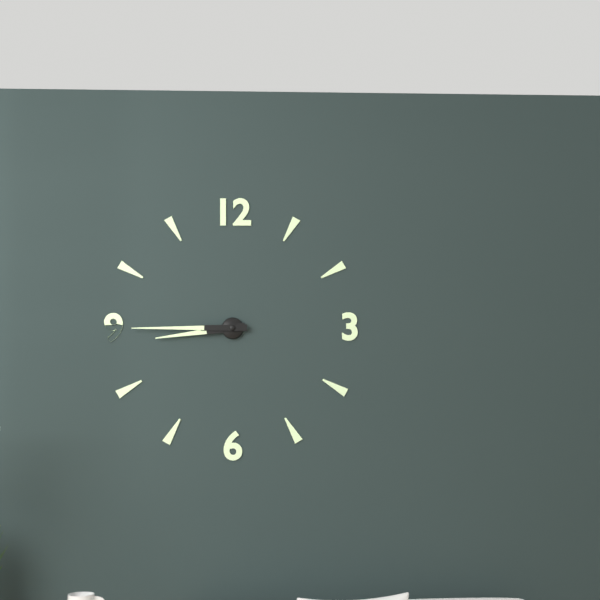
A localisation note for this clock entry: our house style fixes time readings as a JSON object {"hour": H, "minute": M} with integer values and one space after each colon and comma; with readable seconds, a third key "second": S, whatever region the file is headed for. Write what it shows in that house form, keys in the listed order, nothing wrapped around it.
{"hour": 8, "minute": 45}
